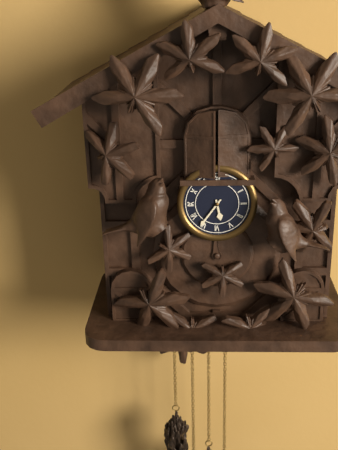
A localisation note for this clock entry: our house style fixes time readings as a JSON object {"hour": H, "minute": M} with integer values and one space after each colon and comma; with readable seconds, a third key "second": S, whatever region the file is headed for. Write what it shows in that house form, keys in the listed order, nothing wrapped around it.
{"hour": 5, "minute": 36}
